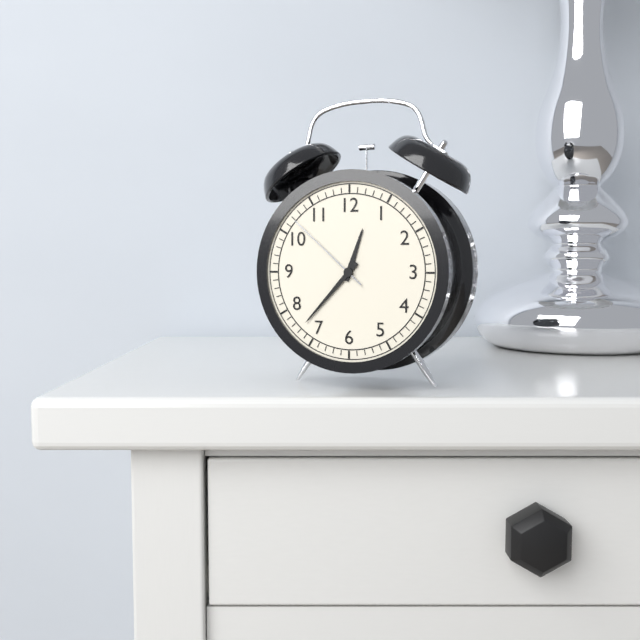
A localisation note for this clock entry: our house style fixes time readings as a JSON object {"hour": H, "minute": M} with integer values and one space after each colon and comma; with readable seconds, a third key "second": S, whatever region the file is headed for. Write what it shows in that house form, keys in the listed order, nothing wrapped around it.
{"hour": 12, "minute": 37, "second": 52}
